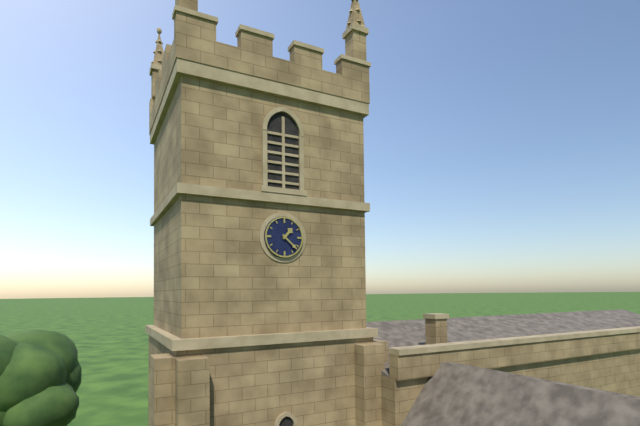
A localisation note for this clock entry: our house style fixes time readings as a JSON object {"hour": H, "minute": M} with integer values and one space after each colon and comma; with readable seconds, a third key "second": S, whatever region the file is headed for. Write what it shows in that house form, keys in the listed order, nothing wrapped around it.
{"hour": 1, "minute": 22}
